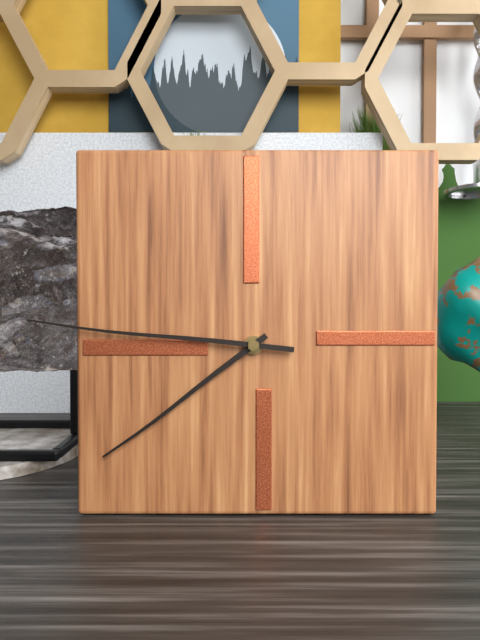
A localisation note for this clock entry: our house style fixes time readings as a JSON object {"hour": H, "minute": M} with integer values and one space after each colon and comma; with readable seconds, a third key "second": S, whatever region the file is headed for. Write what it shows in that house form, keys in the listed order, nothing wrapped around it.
{"hour": 7, "minute": 46}
